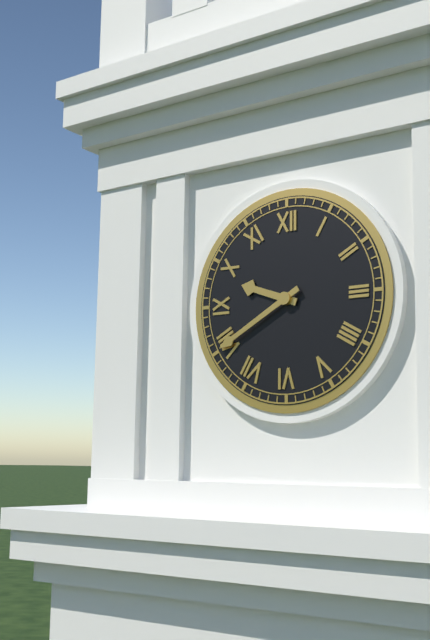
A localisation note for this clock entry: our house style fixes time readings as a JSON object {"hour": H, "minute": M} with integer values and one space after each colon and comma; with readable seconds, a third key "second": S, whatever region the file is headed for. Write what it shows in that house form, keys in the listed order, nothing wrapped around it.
{"hour": 9, "minute": 40}
